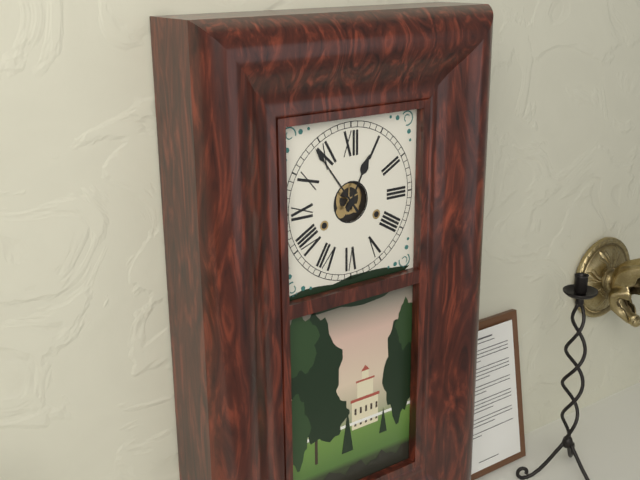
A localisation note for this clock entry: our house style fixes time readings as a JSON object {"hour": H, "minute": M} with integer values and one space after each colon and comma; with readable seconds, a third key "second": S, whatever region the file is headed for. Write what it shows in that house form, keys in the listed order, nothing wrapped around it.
{"hour": 12, "minute": 54}
